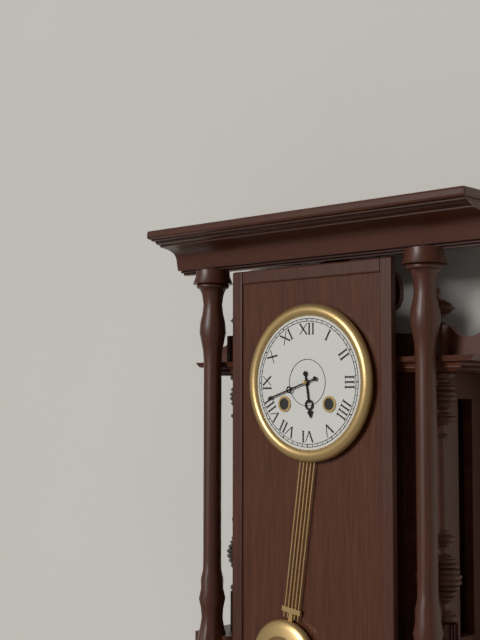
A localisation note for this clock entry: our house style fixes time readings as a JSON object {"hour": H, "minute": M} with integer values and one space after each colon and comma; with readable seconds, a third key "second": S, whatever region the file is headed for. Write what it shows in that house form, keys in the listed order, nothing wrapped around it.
{"hour": 5, "minute": 42}
